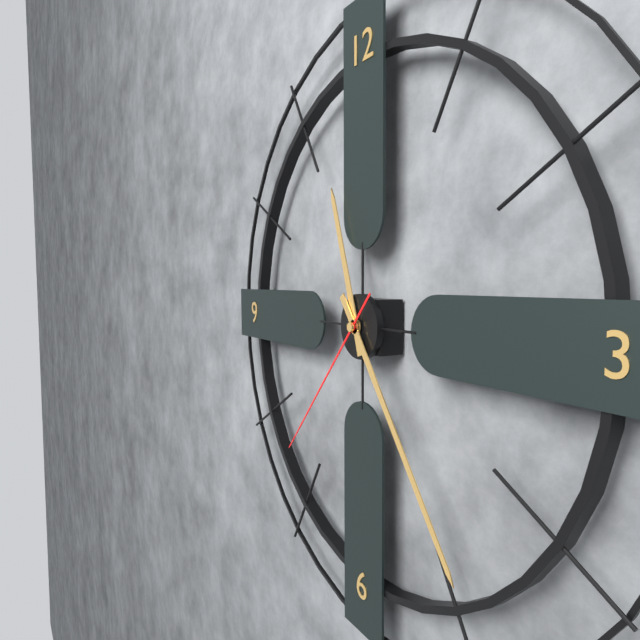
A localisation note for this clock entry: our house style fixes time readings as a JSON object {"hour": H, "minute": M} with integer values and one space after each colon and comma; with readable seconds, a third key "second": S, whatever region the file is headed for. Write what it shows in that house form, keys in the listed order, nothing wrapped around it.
{"hour": 11, "minute": 24, "second": 37}
